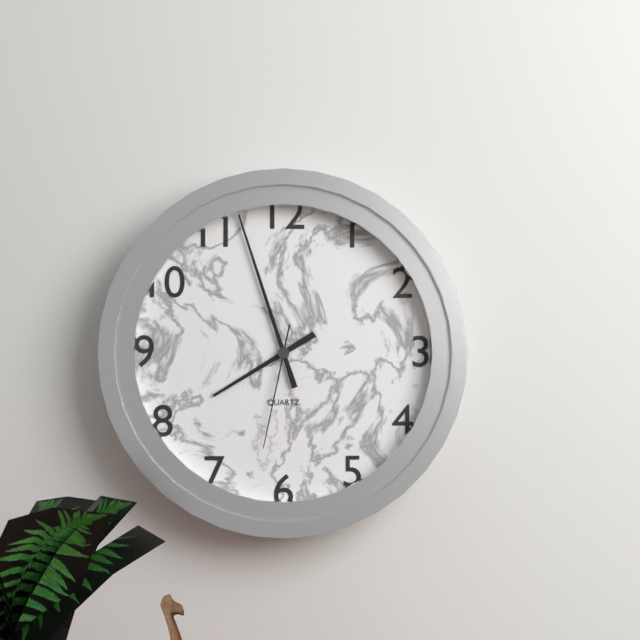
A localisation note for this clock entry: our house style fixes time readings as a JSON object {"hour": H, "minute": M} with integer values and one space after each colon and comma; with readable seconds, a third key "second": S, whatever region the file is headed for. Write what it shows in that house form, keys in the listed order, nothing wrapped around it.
{"hour": 7, "minute": 57, "second": 32}
